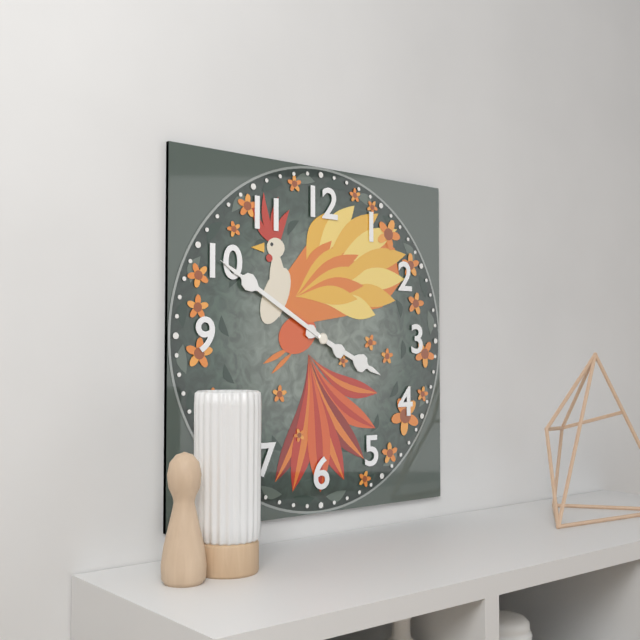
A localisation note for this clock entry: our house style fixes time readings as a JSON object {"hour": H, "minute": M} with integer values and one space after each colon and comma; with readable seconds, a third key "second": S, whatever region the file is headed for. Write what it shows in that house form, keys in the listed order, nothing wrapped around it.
{"hour": 3, "minute": 50}
